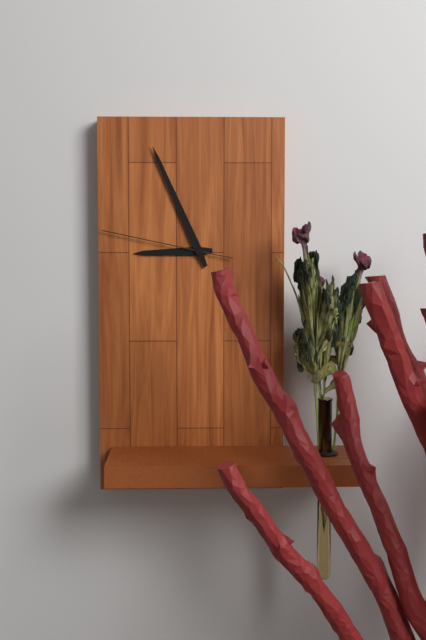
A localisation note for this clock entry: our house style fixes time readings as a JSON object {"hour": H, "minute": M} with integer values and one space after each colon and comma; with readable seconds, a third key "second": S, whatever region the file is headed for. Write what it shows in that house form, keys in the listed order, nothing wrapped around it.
{"hour": 8, "minute": 56, "second": 47}
